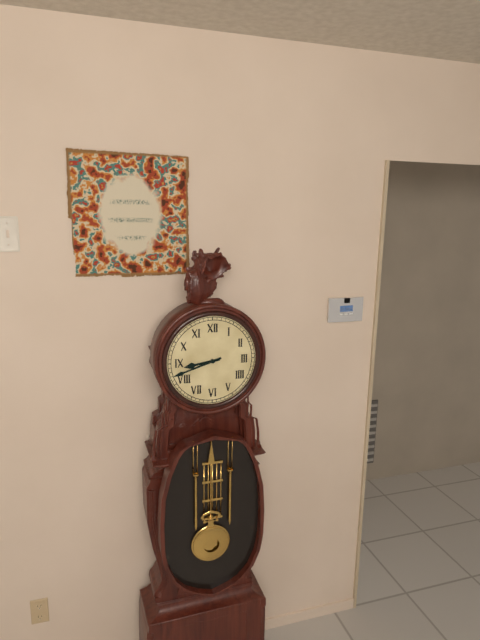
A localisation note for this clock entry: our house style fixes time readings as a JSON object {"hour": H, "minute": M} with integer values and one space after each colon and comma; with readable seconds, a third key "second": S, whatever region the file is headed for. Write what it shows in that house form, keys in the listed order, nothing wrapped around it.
{"hour": 8, "minute": 42}
